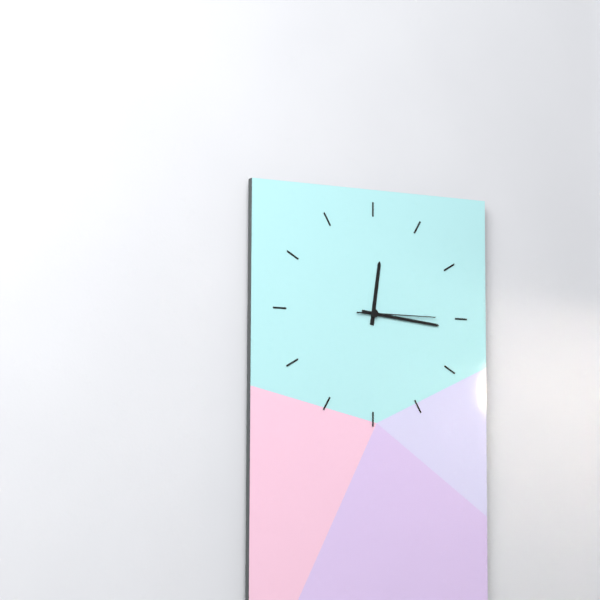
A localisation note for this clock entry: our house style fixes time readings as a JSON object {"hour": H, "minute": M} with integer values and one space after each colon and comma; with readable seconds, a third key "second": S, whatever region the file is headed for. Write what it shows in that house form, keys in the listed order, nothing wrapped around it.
{"hour": 12, "minute": 16, "second": 15}
